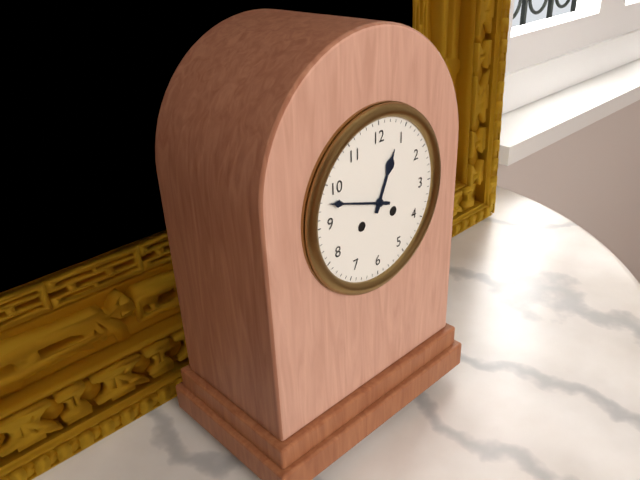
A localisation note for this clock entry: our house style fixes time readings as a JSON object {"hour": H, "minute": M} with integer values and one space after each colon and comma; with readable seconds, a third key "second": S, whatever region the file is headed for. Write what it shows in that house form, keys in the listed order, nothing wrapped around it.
{"hour": 12, "minute": 48}
